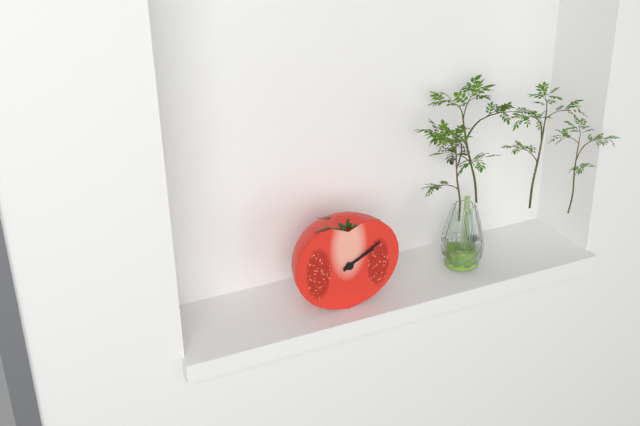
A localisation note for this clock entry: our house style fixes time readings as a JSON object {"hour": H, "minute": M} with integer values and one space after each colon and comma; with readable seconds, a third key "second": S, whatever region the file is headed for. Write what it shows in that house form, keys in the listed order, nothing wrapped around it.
{"hour": 2, "minute": 10}
